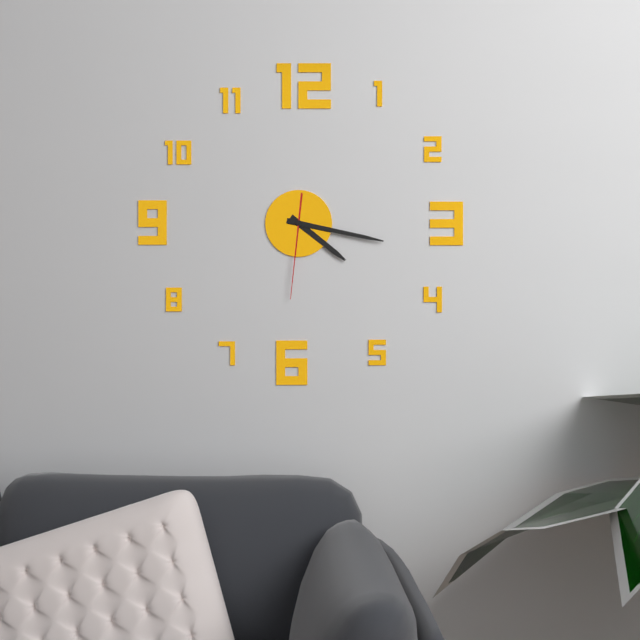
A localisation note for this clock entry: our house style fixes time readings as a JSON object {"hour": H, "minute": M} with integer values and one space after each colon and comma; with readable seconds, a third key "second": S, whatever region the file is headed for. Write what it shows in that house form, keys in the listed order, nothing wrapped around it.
{"hour": 4, "minute": 17, "second": 31}
